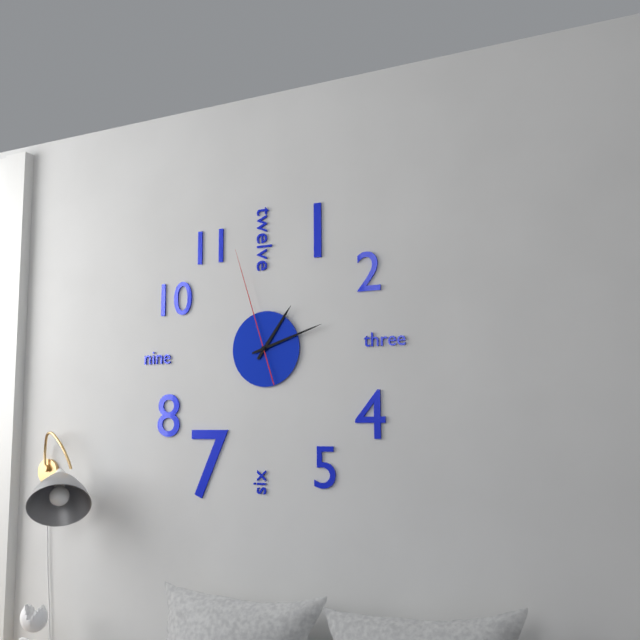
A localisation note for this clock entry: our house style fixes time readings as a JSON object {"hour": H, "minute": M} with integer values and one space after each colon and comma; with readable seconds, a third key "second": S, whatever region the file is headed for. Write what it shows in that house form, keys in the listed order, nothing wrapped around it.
{"hour": 1, "minute": 12, "second": 57}
